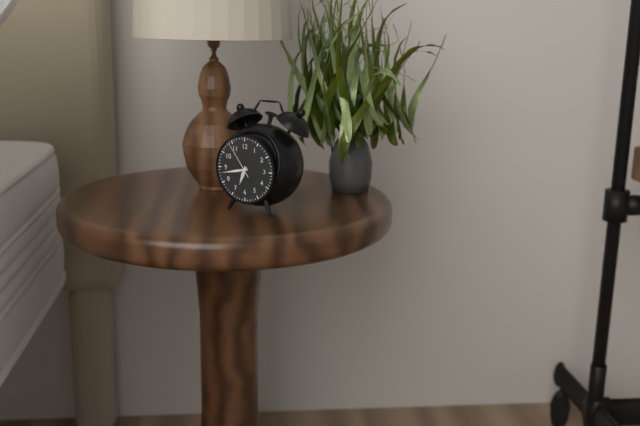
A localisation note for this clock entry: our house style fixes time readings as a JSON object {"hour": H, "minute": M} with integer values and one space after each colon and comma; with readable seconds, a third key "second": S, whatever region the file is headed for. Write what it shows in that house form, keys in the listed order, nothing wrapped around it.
{"hour": 6, "minute": 43}
